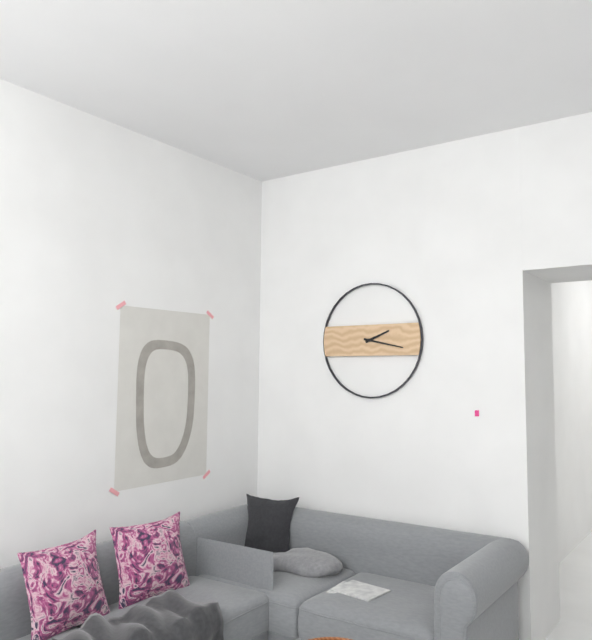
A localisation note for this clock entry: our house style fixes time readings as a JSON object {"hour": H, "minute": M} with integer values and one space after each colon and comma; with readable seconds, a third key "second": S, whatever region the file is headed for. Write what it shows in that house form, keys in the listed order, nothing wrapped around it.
{"hour": 2, "minute": 17}
